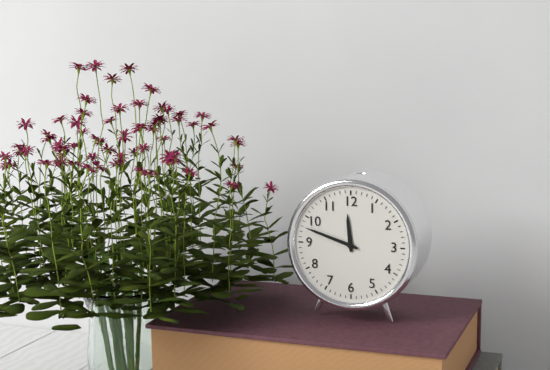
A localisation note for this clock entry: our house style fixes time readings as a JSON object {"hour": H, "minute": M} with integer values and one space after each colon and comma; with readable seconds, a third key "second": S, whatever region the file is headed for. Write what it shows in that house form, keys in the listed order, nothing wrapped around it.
{"hour": 11, "minute": 48}
